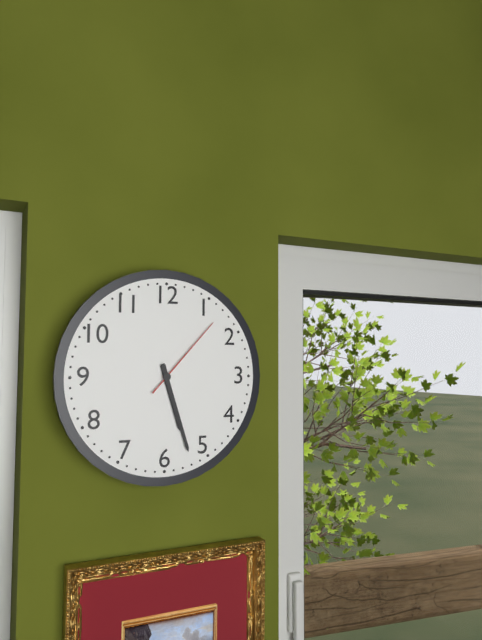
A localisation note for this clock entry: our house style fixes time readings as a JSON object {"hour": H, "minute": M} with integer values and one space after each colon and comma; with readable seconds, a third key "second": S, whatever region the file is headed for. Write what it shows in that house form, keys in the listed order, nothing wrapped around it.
{"hour": 5, "minute": 27, "second": 7}
